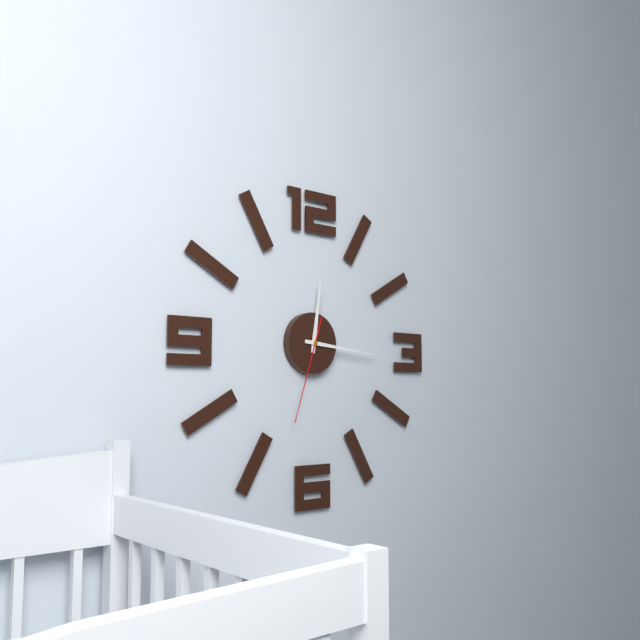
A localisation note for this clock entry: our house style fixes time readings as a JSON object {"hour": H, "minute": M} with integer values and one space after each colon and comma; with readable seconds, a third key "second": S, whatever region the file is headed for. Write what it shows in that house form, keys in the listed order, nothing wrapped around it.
{"hour": 12, "minute": 16, "second": 33}
